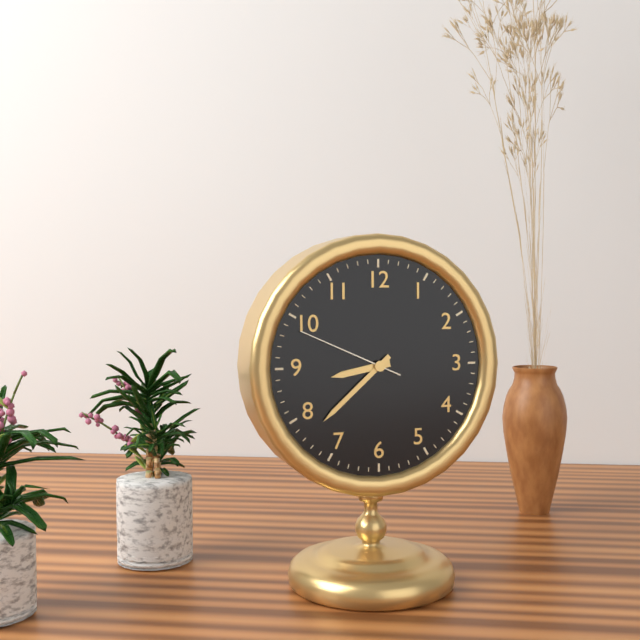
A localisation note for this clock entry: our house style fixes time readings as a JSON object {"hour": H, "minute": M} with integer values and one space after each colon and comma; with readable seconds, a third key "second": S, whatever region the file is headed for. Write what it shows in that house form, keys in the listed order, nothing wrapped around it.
{"hour": 8, "minute": 38, "second": 49}
